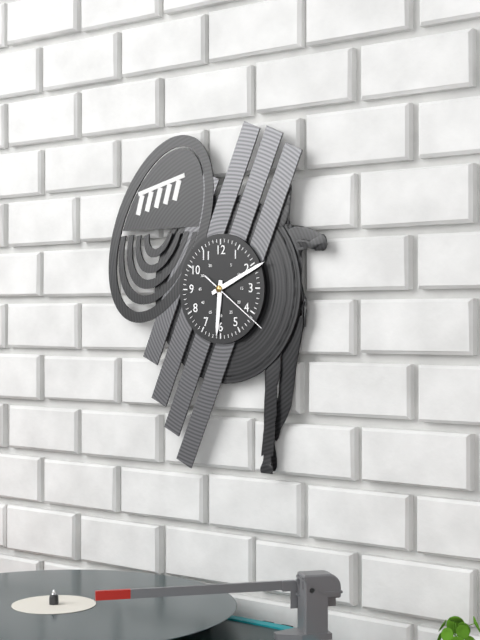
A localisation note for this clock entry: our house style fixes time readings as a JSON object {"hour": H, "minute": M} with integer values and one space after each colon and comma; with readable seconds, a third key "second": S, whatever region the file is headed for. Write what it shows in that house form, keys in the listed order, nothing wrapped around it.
{"hour": 6, "minute": 11, "second": 21}
